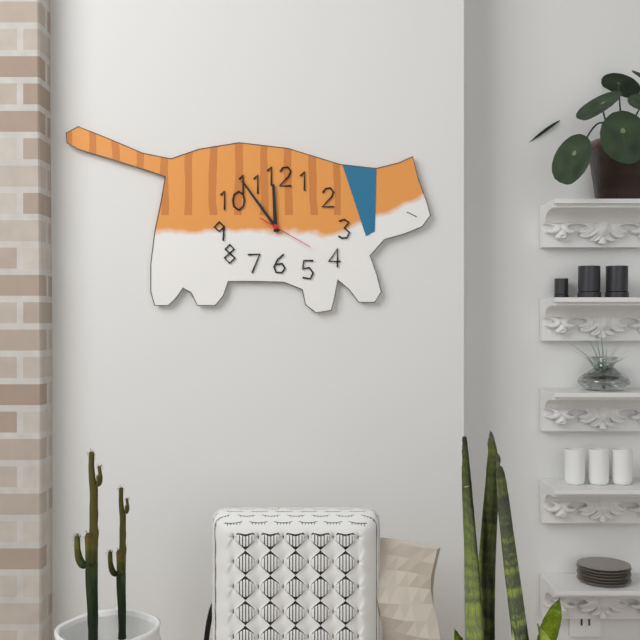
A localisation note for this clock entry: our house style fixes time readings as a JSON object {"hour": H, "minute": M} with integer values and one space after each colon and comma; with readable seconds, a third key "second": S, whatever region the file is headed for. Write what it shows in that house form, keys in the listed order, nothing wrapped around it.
{"hour": 11, "minute": 54, "second": 20}
